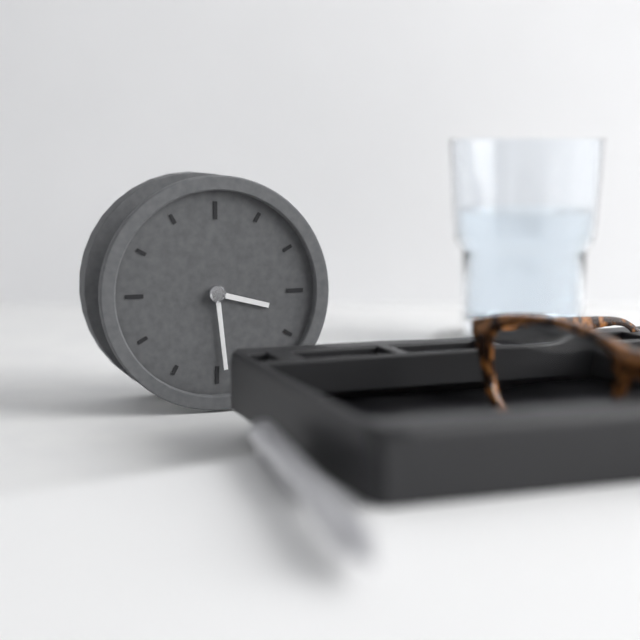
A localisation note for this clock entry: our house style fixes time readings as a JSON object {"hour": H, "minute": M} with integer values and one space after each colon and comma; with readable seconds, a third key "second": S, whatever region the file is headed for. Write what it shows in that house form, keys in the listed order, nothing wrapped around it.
{"hour": 3, "minute": 29}
